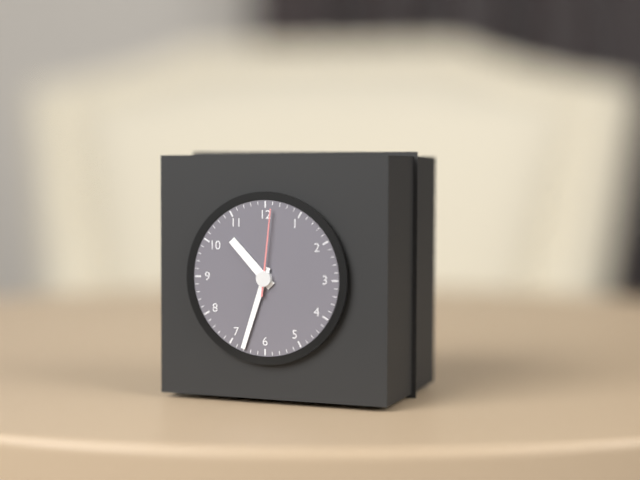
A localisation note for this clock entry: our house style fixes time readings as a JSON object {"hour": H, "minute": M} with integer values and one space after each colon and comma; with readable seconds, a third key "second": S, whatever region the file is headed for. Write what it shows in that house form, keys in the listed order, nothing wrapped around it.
{"hour": 10, "minute": 33, "second": 1}
